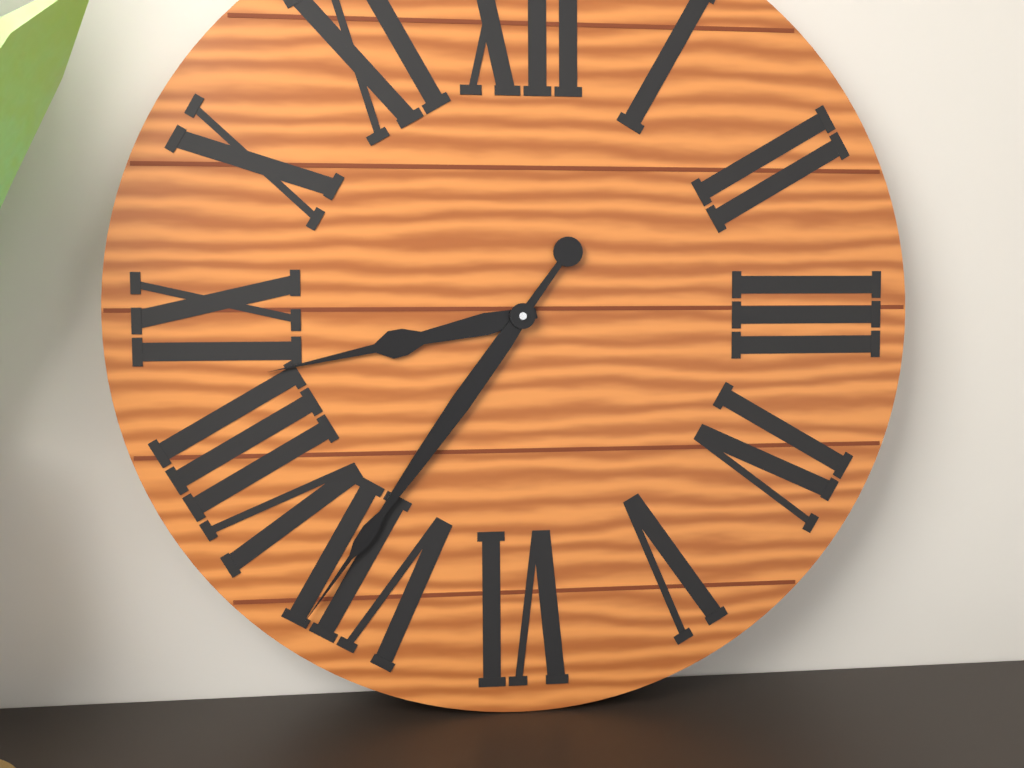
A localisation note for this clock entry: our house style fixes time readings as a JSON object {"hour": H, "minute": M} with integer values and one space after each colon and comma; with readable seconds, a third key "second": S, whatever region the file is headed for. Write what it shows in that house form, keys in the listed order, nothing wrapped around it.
{"hour": 8, "minute": 36}
